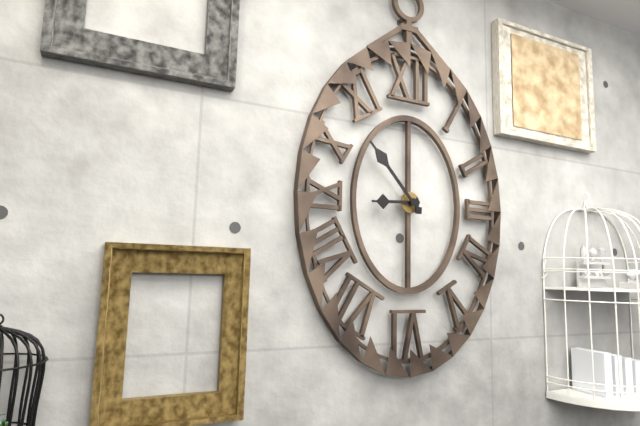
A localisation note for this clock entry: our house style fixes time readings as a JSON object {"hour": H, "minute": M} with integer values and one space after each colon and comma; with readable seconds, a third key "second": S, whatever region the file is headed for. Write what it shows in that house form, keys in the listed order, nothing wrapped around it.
{"hour": 8, "minute": 53}
